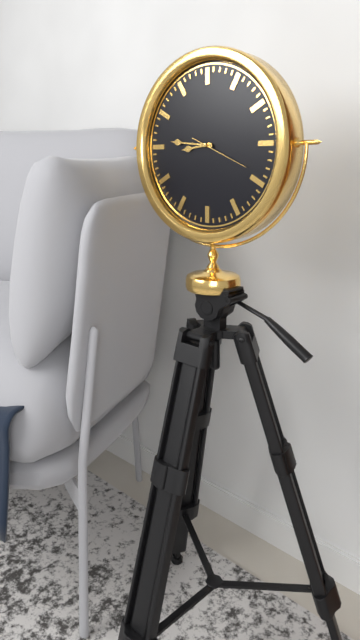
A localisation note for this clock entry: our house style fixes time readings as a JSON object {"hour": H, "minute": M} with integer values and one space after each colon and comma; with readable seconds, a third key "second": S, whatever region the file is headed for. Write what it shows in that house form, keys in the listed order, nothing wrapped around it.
{"hour": 8, "minute": 46, "second": 19}
